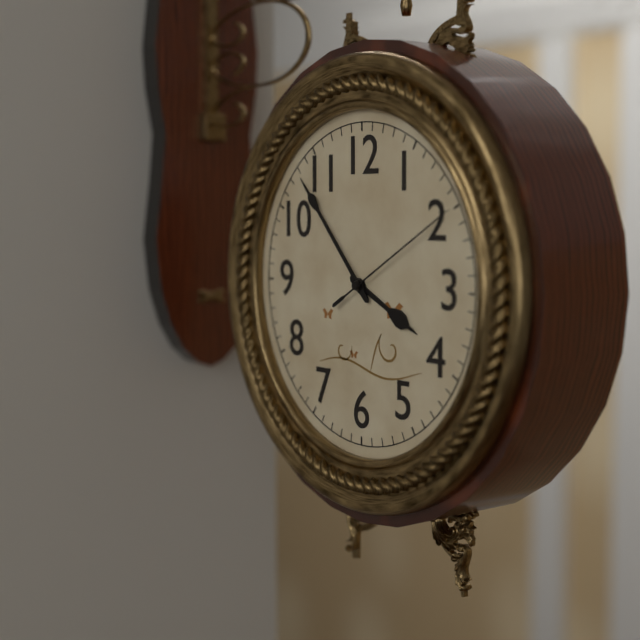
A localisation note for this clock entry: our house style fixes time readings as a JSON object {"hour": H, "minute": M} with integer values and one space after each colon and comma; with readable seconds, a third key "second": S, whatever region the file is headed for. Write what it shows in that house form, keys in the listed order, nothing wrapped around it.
{"hour": 3, "minute": 53, "second": 10}
